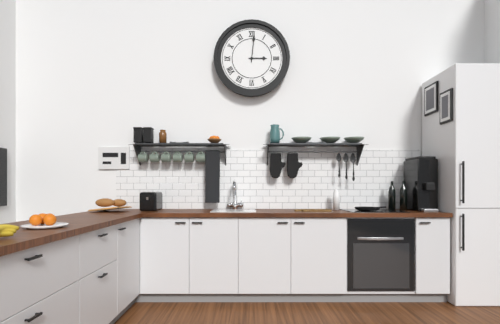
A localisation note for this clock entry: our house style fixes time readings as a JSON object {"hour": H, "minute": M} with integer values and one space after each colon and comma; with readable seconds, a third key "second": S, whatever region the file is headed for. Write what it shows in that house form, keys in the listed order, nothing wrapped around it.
{"hour": 3, "minute": 1}
